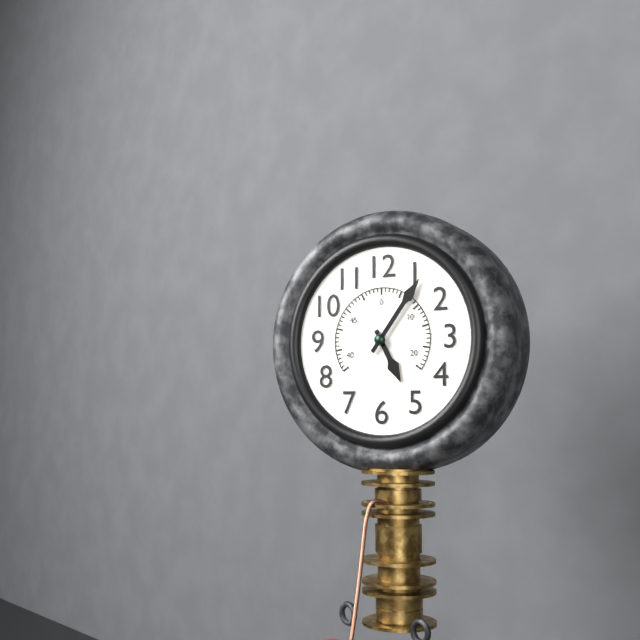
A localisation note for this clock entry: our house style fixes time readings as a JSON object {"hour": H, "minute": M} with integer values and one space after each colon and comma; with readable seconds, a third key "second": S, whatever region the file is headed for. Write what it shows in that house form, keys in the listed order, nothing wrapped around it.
{"hour": 5, "minute": 6}
